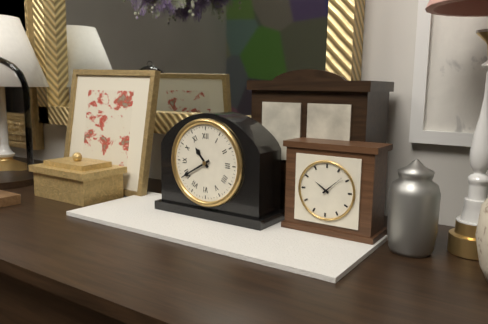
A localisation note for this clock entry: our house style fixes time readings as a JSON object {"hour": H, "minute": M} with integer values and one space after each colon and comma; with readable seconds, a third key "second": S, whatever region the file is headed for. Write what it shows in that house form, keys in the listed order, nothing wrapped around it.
{"hour": 10, "minute": 40}
